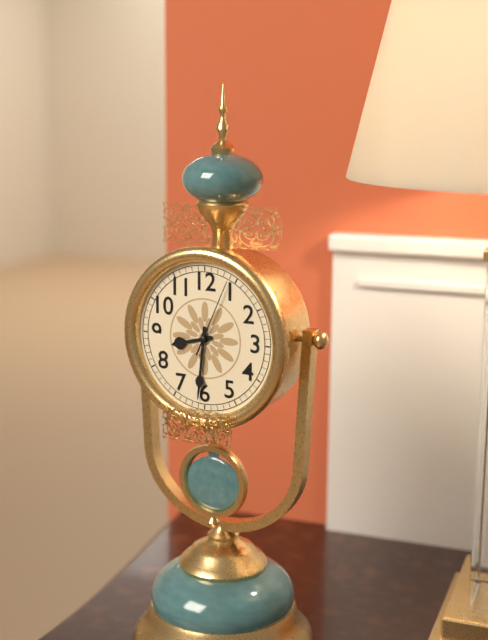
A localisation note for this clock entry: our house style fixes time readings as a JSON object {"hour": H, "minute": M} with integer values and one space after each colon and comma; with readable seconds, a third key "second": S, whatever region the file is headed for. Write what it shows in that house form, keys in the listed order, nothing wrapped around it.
{"hour": 8, "minute": 31, "second": 4}
